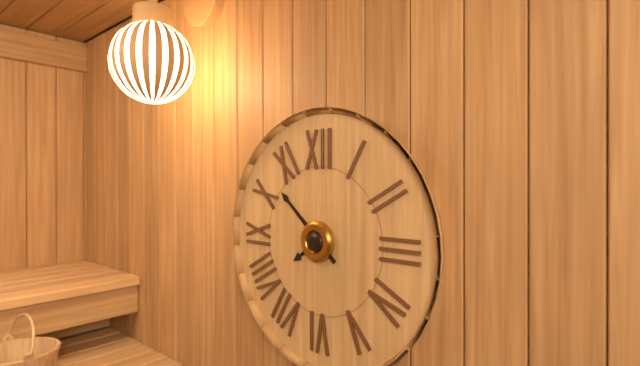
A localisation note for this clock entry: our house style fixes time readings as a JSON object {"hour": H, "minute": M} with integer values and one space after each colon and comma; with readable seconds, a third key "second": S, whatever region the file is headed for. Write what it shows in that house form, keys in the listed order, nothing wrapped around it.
{"hour": 7, "minute": 52}
